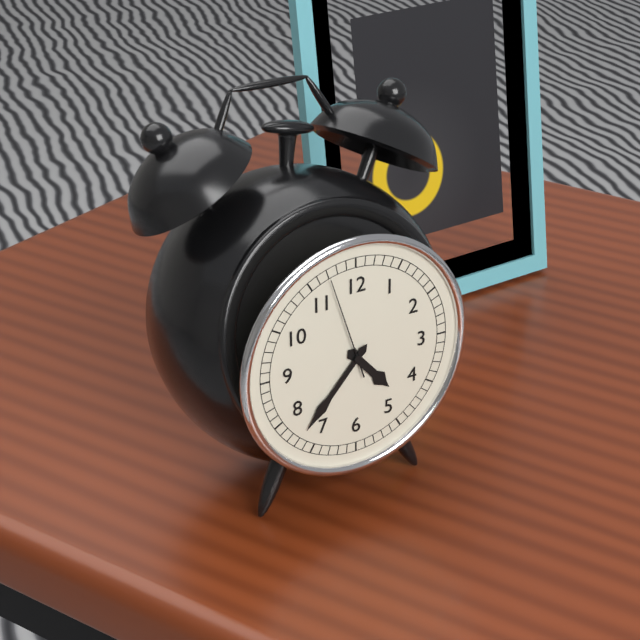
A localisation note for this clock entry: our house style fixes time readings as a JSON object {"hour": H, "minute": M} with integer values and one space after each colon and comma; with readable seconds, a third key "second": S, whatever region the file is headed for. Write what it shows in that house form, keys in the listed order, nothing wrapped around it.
{"hour": 4, "minute": 37, "second": 57}
